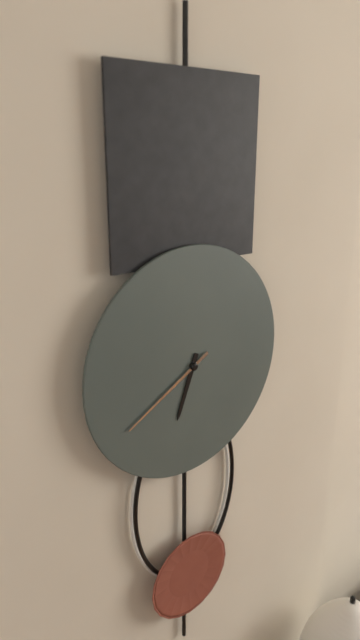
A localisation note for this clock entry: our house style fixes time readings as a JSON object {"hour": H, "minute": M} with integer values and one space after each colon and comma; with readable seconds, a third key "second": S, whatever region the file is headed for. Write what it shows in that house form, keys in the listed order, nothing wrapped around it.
{"hour": 6, "minute": 40}
